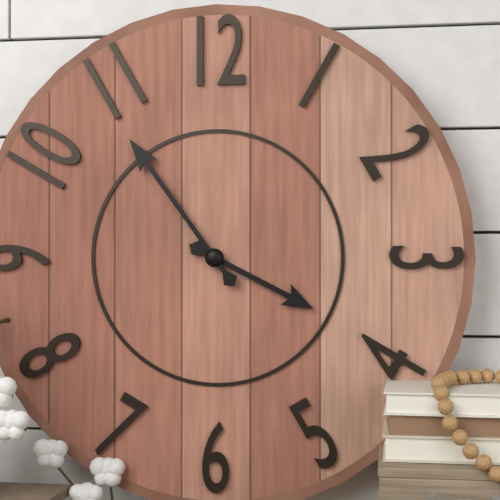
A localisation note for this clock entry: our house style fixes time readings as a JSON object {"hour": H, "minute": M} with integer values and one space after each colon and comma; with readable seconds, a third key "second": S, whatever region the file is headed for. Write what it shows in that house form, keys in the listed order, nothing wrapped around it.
{"hour": 3, "minute": 54}
